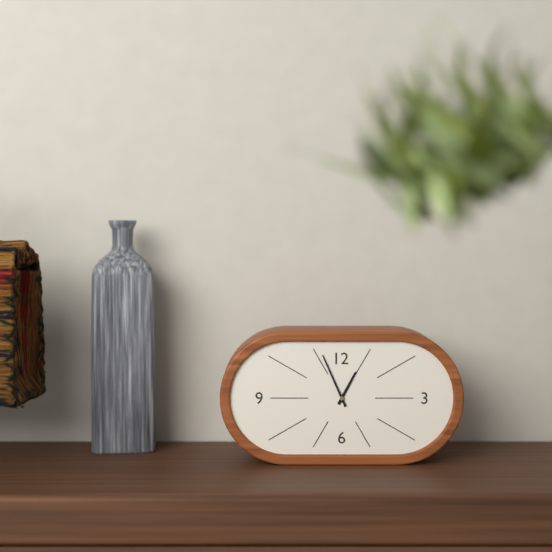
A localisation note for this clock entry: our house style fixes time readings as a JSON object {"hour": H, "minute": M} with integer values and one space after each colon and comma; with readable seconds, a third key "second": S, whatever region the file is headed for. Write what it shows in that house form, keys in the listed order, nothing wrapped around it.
{"hour": 12, "minute": 56}
